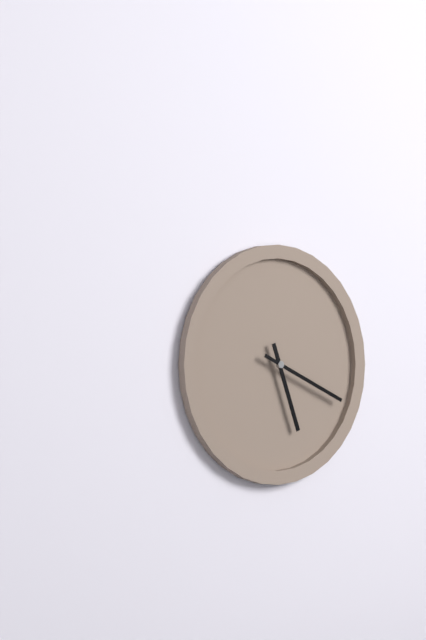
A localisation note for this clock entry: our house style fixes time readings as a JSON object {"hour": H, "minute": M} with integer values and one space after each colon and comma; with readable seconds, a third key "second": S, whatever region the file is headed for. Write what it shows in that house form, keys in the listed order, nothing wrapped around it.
{"hour": 5, "minute": 19}
